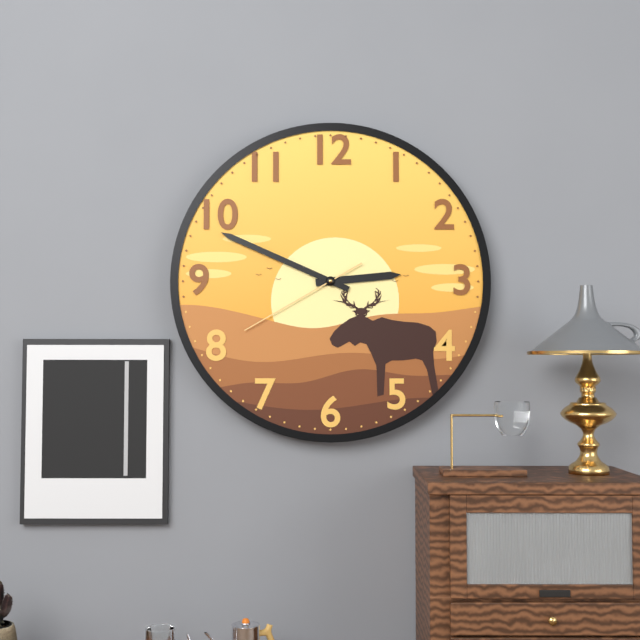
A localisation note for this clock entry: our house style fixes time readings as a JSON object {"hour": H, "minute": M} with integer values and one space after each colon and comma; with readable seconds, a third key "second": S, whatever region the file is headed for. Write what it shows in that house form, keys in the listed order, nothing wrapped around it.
{"hour": 2, "minute": 49, "second": 40}
